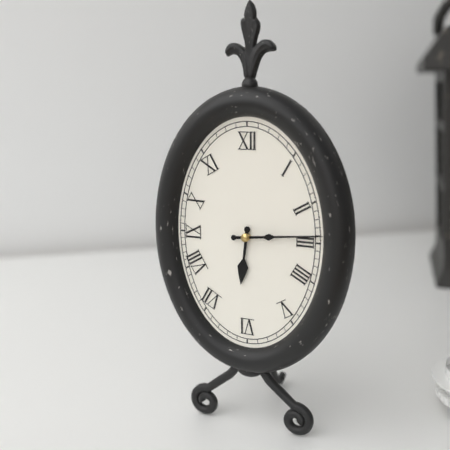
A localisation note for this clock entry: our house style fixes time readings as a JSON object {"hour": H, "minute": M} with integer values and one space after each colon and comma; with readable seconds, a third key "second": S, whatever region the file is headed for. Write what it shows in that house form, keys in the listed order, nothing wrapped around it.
{"hour": 6, "minute": 14}
